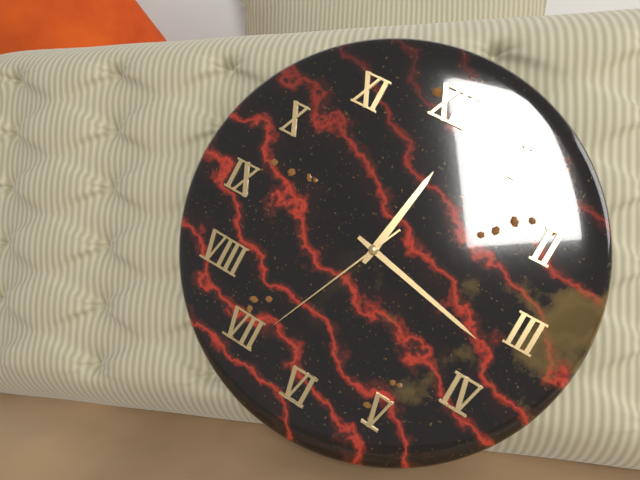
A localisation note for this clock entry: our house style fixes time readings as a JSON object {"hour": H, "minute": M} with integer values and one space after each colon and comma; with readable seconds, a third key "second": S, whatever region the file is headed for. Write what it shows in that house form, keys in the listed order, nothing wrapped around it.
{"hour": 12, "minute": 17, "second": 34}
